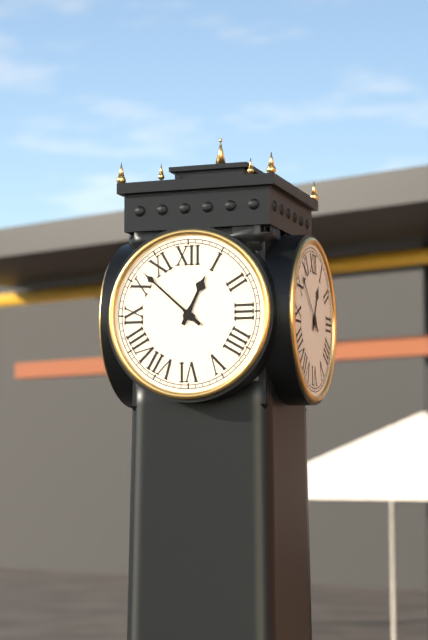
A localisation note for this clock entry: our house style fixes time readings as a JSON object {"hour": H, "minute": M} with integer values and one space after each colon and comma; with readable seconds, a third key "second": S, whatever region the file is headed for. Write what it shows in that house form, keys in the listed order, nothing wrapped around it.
{"hour": 12, "minute": 52}
